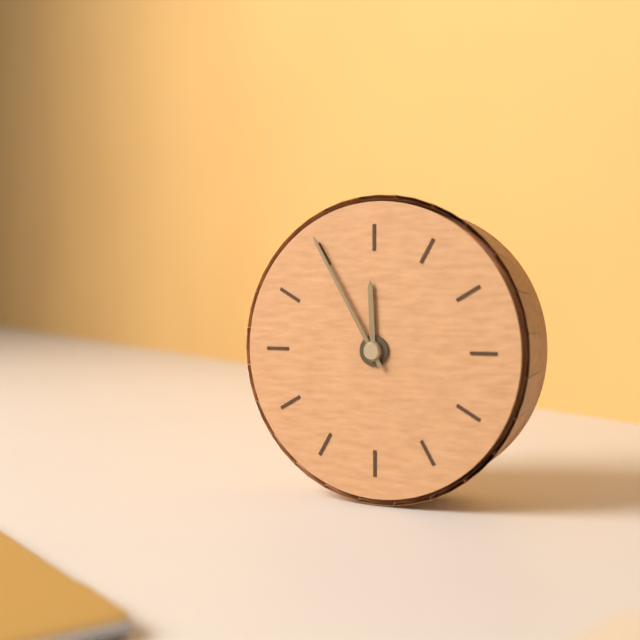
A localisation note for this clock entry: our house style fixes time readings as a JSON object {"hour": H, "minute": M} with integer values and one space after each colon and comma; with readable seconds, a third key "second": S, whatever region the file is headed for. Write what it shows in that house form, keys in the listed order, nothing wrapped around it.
{"hour": 11, "minute": 55}
